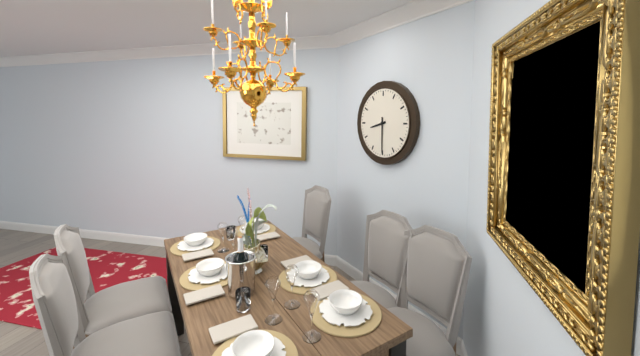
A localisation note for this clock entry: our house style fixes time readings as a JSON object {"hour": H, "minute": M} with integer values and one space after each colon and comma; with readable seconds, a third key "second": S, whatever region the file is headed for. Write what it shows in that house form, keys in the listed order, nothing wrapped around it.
{"hour": 8, "minute": 30}
